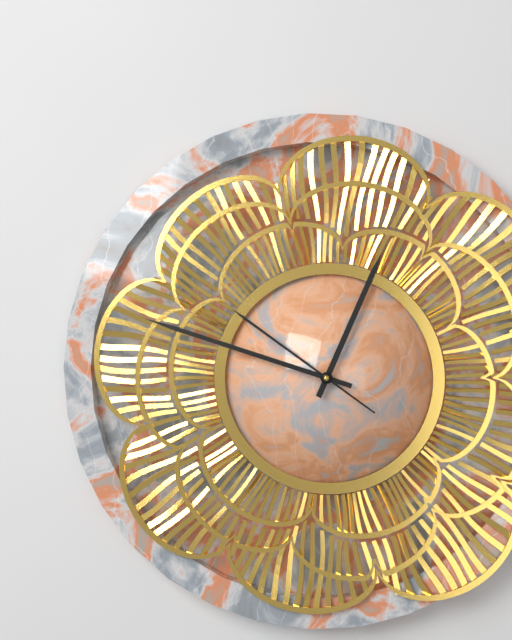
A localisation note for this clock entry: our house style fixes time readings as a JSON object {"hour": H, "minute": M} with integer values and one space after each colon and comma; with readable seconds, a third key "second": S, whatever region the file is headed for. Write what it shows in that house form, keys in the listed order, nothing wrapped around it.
{"hour": 12, "minute": 48, "second": 51}
